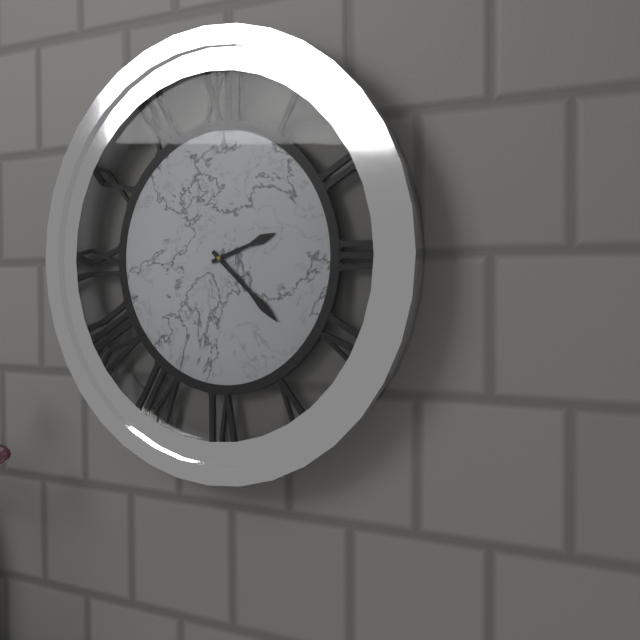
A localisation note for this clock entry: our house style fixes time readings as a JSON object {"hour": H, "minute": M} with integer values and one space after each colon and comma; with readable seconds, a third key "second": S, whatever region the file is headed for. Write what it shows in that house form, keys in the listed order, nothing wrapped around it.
{"hour": 2, "minute": 22}
